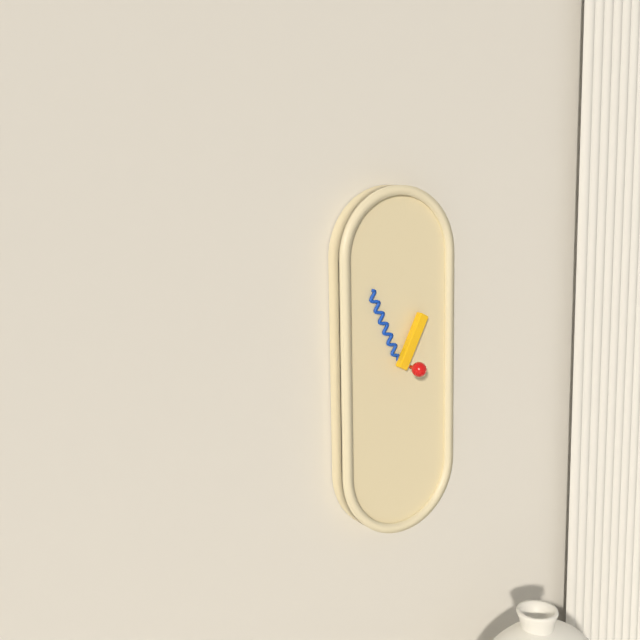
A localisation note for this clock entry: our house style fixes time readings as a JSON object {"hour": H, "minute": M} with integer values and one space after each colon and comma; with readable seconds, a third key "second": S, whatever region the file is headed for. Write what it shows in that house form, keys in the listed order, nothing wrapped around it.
{"hour": 12, "minute": 56}
